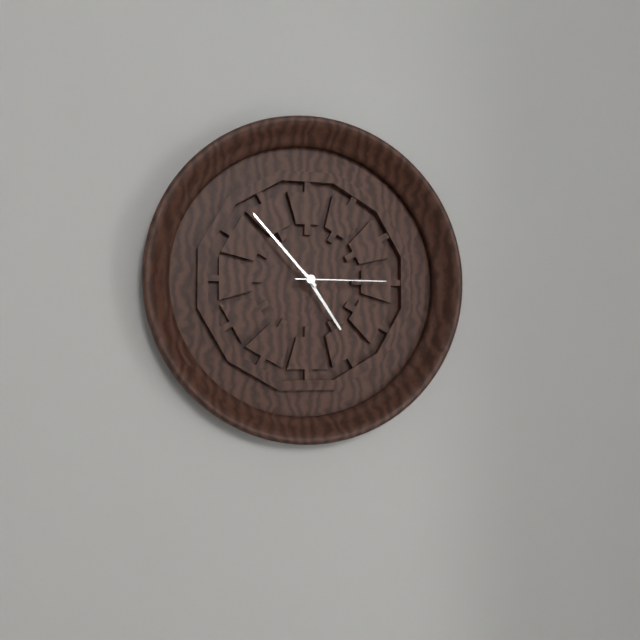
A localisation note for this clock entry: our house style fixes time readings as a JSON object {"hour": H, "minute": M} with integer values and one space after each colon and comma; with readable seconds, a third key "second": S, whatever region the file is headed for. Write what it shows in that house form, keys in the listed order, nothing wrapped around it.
{"hour": 4, "minute": 53, "second": 15}
